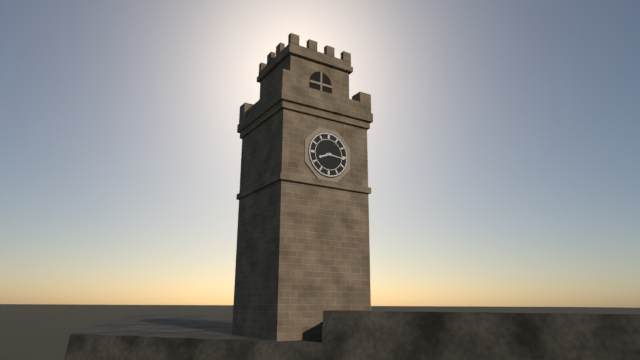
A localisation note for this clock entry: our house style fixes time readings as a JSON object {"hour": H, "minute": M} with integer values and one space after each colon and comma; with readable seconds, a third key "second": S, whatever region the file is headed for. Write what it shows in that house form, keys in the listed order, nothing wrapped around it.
{"hour": 8, "minute": 16}
